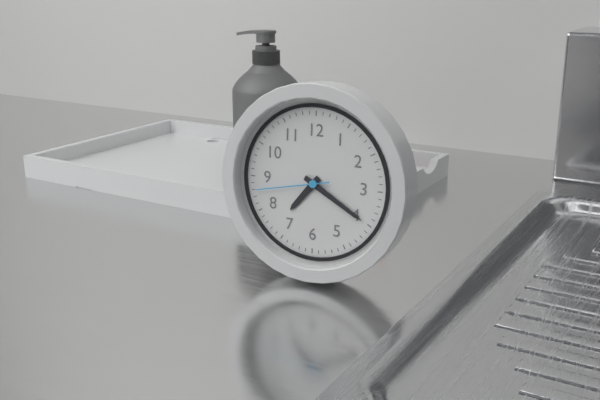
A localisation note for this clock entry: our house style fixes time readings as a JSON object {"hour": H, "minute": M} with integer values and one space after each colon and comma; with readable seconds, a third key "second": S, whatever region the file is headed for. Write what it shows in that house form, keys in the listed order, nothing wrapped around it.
{"hour": 7, "minute": 20, "second": 43}
